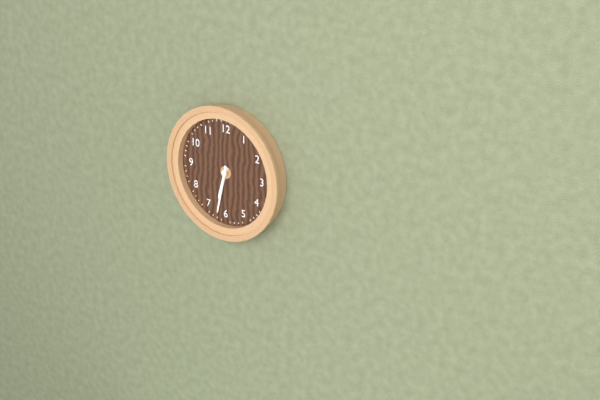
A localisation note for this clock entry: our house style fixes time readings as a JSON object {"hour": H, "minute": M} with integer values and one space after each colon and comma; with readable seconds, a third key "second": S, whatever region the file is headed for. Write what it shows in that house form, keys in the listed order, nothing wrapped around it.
{"hour": 6, "minute": 32}
